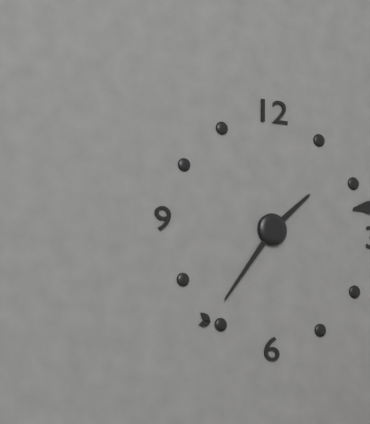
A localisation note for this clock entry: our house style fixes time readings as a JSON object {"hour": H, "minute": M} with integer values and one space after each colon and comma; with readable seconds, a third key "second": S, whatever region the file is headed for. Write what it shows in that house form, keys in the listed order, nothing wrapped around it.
{"hour": 1, "minute": 36}
